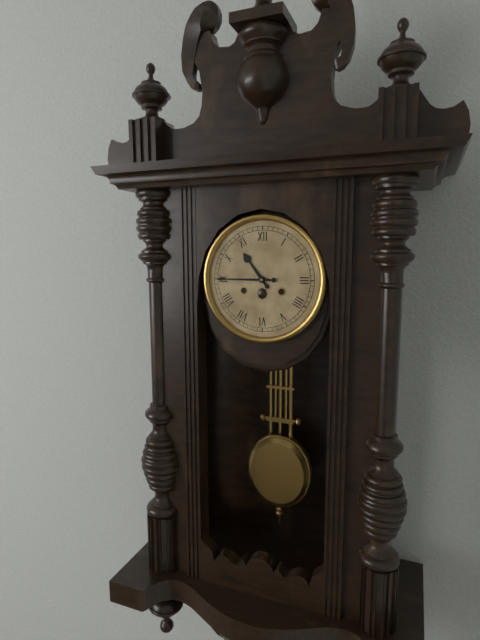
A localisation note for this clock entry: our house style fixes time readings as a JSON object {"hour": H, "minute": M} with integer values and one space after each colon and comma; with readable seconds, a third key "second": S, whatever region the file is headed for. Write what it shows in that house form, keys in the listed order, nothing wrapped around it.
{"hour": 10, "minute": 45}
